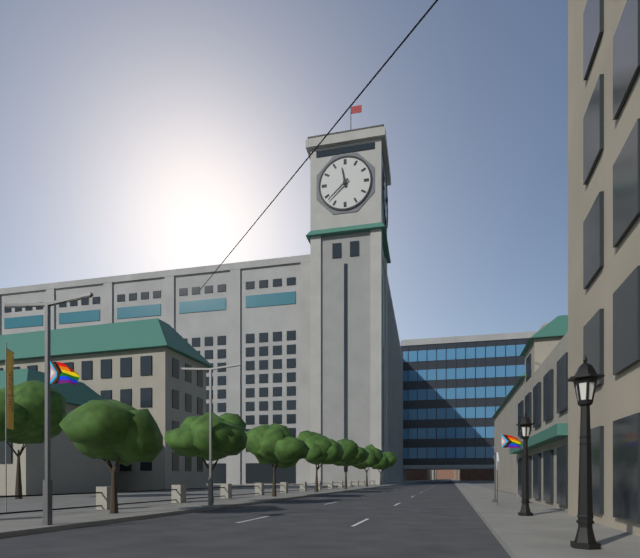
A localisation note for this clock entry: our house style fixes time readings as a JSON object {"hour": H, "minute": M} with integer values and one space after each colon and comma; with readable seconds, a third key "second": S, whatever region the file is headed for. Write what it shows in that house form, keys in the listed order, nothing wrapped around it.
{"hour": 11, "minute": 38}
